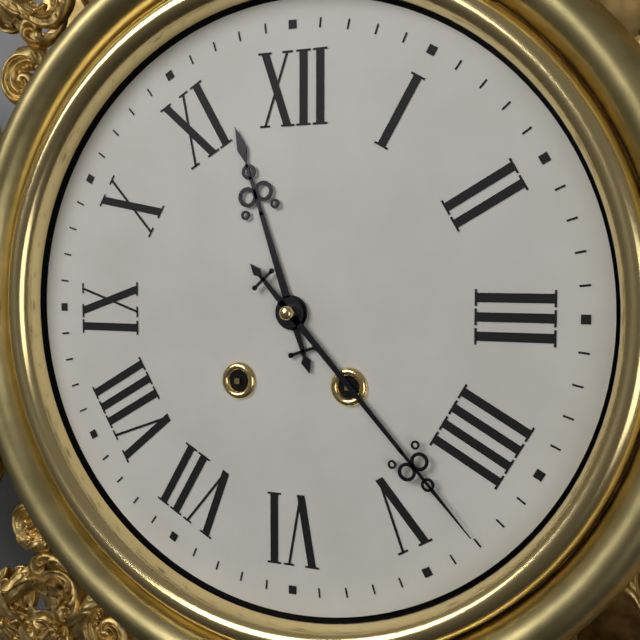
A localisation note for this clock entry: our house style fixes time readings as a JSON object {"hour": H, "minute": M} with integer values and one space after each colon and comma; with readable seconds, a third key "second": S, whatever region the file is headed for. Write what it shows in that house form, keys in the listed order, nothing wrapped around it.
{"hour": 11, "minute": 23}
